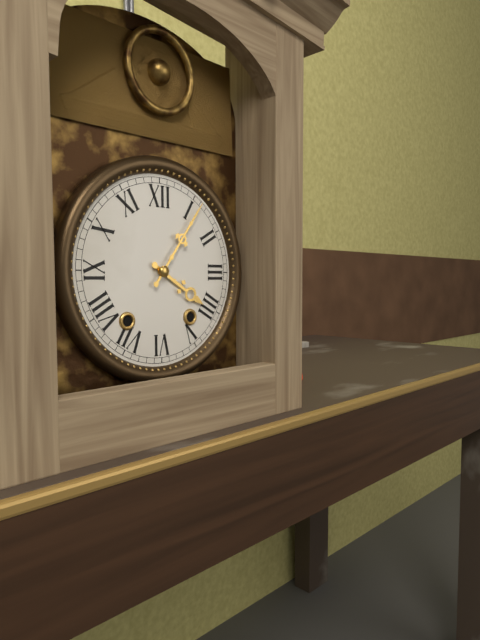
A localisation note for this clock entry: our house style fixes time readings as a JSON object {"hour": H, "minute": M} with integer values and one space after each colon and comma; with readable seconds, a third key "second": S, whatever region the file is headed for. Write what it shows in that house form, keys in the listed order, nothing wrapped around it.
{"hour": 4, "minute": 6}
